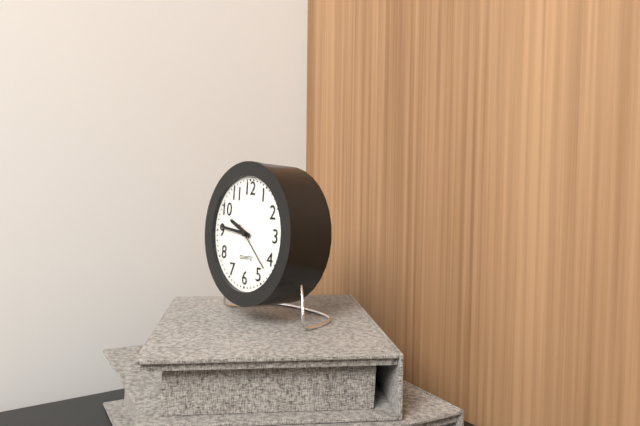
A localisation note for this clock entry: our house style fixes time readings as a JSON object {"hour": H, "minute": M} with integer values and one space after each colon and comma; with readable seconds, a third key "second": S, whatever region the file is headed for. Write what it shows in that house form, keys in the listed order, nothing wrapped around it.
{"hour": 9, "minute": 46}
